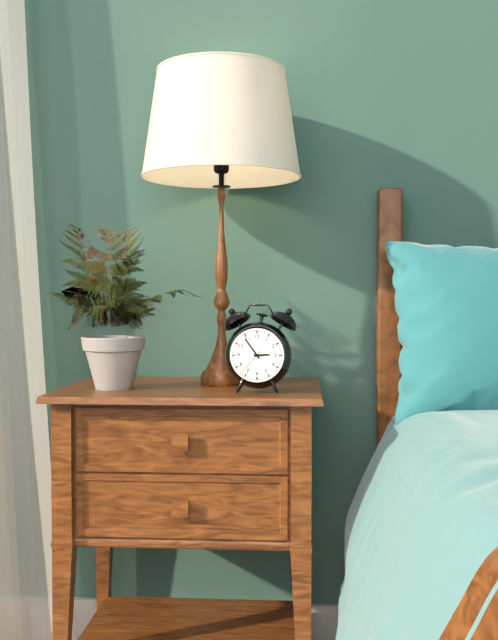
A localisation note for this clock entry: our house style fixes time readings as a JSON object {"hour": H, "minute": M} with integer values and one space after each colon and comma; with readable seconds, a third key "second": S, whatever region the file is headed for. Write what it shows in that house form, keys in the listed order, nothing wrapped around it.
{"hour": 2, "minute": 54}
